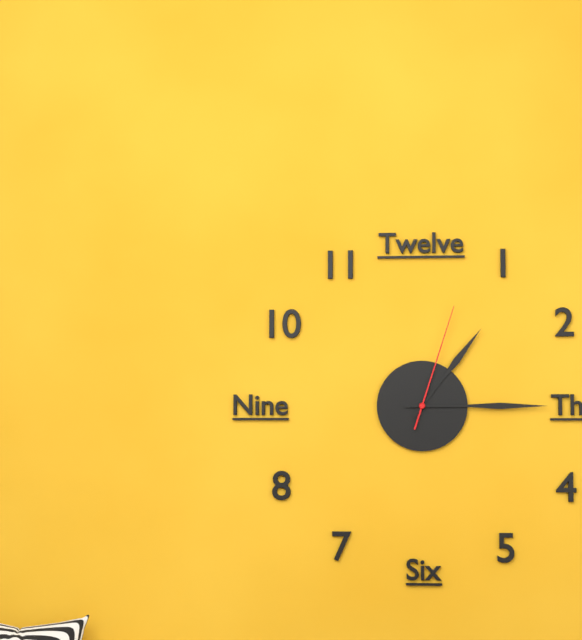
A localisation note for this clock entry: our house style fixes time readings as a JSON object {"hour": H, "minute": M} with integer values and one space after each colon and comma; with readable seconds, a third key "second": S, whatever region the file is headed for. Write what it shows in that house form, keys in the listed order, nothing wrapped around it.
{"hour": 1, "minute": 15, "second": 3}
